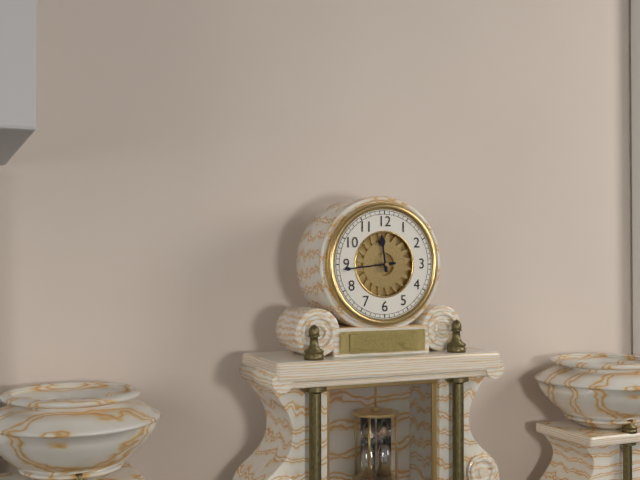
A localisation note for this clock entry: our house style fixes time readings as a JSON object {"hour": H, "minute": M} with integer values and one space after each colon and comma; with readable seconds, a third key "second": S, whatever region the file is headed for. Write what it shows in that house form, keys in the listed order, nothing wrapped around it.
{"hour": 11, "minute": 44}
